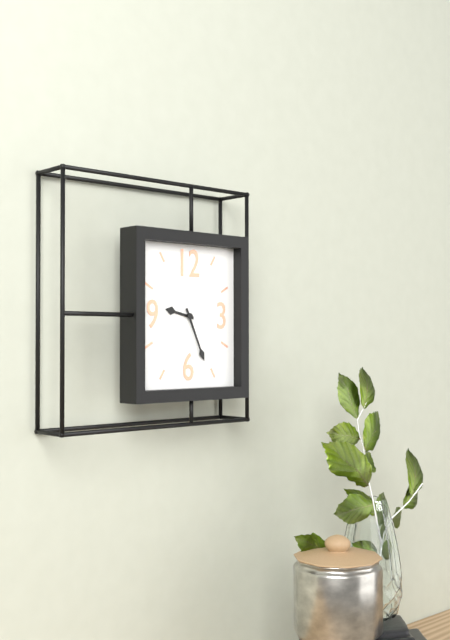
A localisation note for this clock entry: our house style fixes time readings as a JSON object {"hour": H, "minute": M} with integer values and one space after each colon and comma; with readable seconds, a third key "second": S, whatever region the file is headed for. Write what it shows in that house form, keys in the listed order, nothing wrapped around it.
{"hour": 9, "minute": 26}
